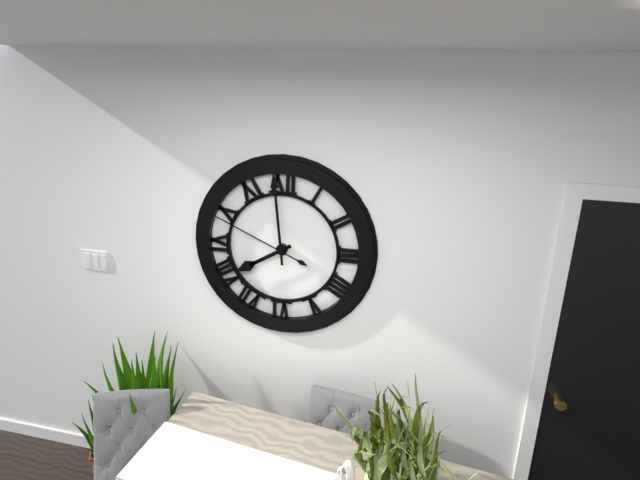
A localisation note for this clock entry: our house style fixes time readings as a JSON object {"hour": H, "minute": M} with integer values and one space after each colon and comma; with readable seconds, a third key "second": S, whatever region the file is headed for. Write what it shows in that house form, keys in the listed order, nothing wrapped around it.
{"hour": 7, "minute": 59, "second": 49}
